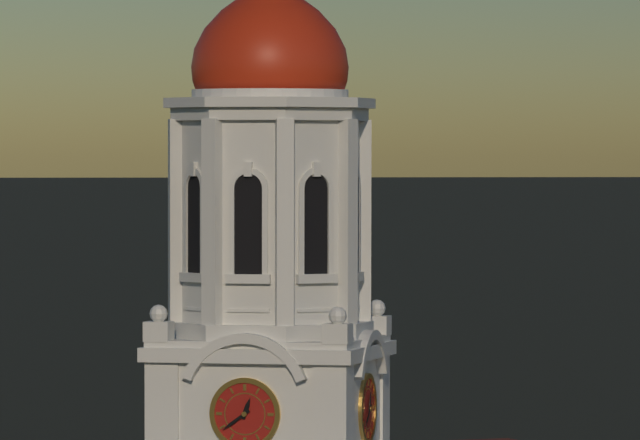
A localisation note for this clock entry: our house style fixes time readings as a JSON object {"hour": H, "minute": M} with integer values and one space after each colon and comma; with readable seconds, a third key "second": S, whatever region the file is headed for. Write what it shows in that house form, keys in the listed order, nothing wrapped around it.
{"hour": 12, "minute": 39}
